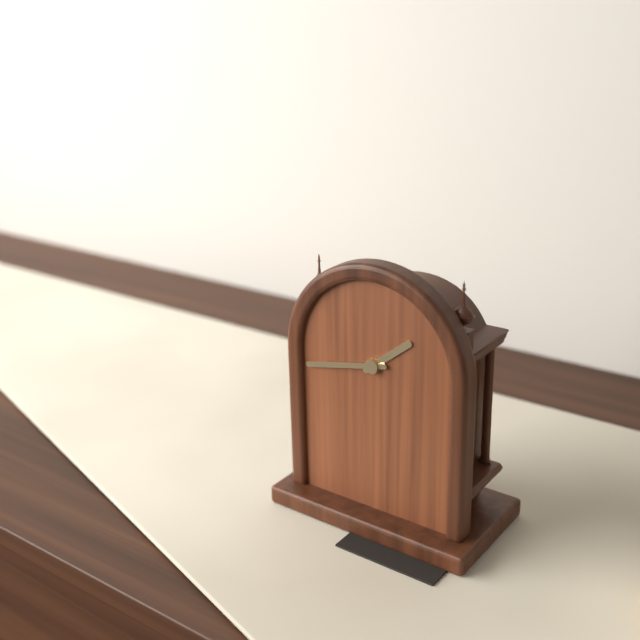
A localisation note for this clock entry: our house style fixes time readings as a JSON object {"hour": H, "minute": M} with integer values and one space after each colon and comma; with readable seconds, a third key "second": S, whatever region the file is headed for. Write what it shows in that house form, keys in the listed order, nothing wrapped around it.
{"hour": 1, "minute": 43}
